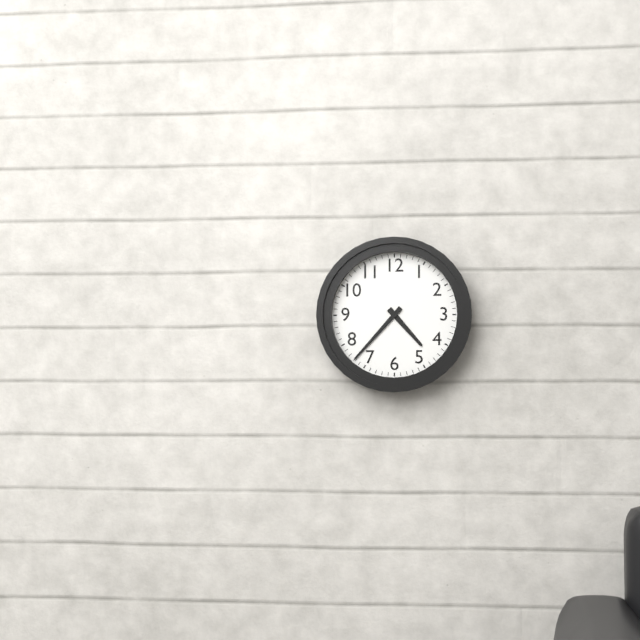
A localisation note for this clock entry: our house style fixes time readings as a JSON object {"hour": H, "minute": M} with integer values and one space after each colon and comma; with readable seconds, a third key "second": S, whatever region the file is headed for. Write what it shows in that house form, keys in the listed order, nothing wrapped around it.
{"hour": 4, "minute": 37}
